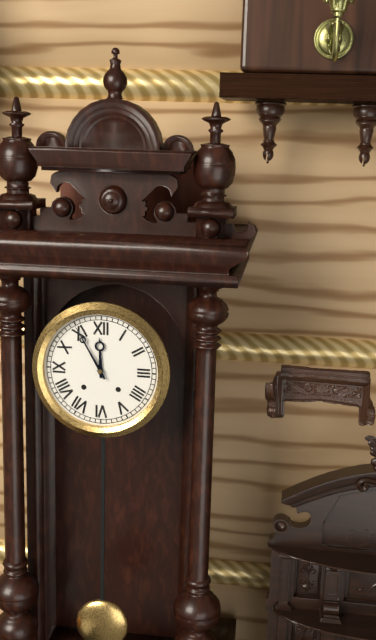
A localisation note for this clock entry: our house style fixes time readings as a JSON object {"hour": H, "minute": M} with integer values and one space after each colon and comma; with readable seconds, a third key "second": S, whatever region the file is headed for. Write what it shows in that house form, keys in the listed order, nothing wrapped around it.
{"hour": 11, "minute": 55}
